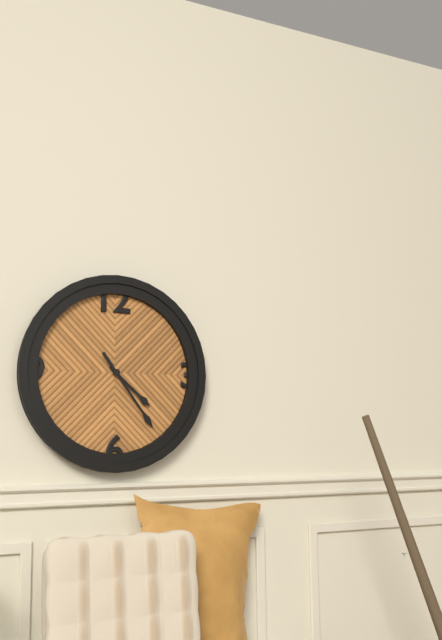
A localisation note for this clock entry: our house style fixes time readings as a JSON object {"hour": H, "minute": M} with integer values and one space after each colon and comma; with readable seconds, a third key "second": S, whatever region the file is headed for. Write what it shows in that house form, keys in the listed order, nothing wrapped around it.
{"hour": 4, "minute": 24}
